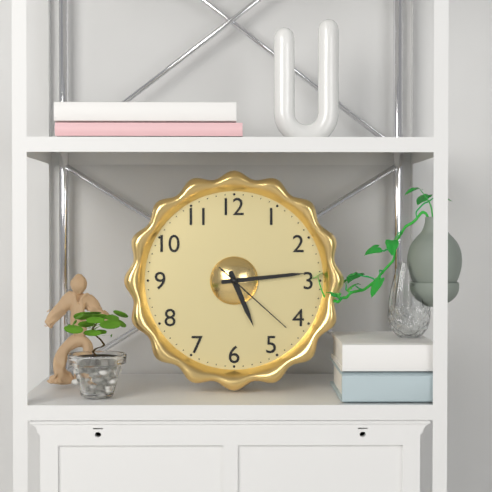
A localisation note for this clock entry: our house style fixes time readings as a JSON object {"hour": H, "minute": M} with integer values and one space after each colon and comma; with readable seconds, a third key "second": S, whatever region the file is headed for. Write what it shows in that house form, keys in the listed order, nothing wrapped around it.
{"hour": 5, "minute": 14, "second": 22}
